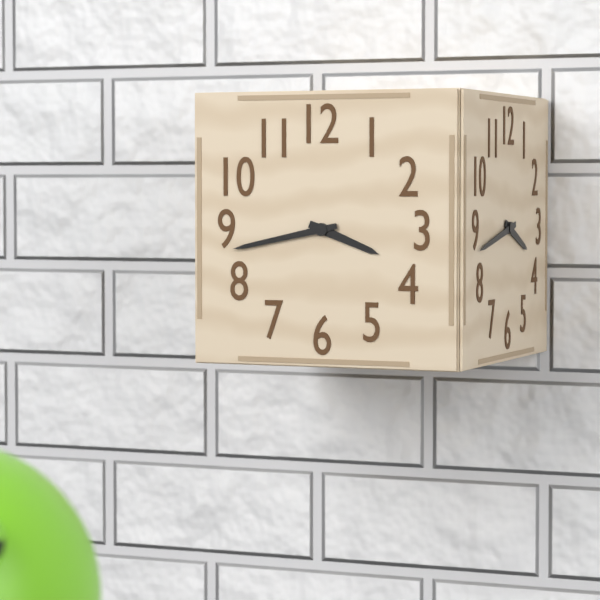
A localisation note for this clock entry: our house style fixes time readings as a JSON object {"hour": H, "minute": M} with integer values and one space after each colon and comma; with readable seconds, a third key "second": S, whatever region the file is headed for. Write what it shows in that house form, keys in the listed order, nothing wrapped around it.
{"hour": 3, "minute": 43}
